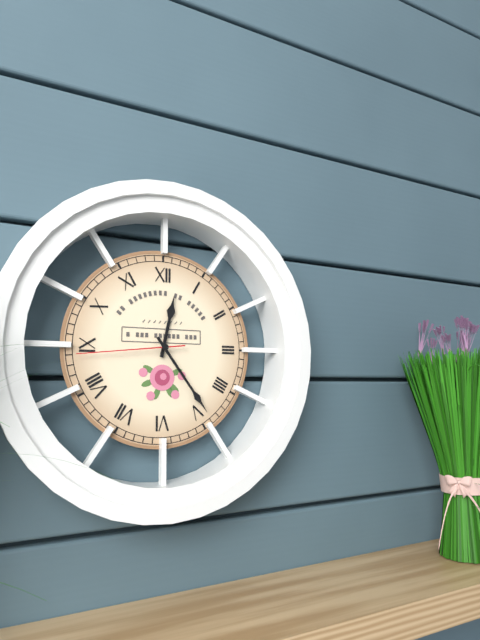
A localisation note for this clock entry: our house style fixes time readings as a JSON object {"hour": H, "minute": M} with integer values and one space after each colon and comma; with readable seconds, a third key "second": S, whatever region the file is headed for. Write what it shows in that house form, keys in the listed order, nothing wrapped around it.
{"hour": 12, "minute": 24, "second": 44}
